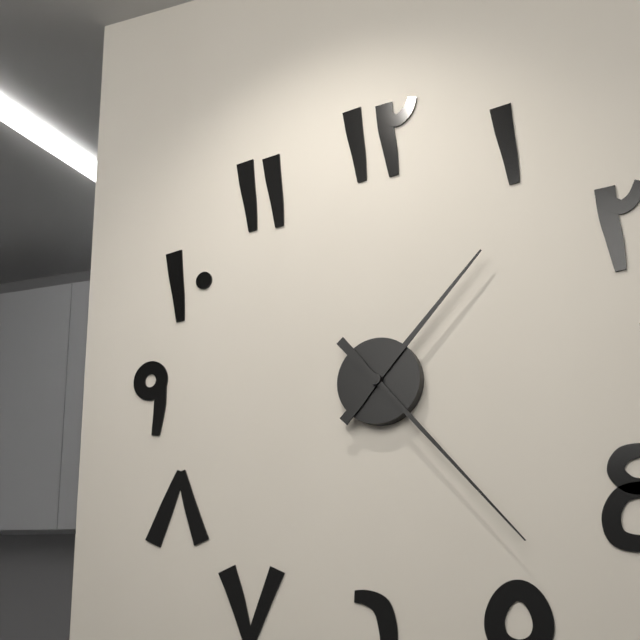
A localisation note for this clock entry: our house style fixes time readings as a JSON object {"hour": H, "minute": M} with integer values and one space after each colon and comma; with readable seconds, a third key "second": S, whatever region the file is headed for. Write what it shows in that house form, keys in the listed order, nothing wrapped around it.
{"hour": 1, "minute": 23}
